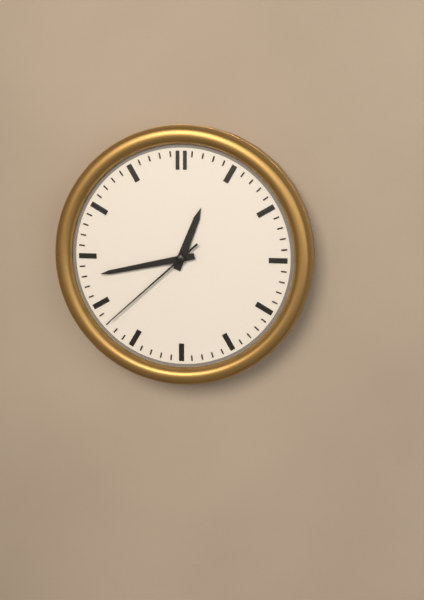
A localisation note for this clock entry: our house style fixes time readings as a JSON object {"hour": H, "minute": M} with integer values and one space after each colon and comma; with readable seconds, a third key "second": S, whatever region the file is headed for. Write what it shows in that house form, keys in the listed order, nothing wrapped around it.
{"hour": 12, "minute": 43, "second": 38}
